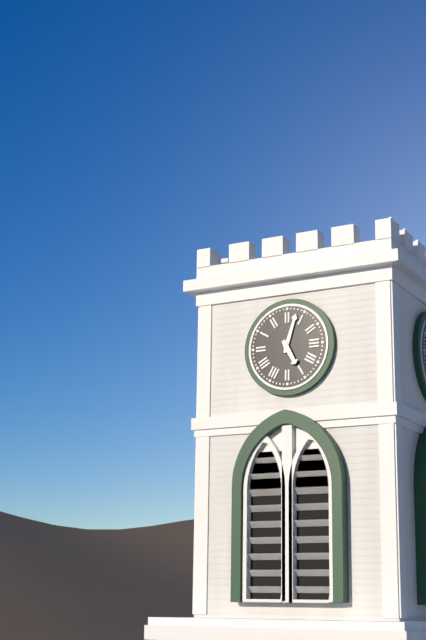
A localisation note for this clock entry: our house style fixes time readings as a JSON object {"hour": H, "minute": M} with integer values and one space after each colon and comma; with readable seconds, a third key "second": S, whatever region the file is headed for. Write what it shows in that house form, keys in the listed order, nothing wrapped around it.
{"hour": 5, "minute": 3}
